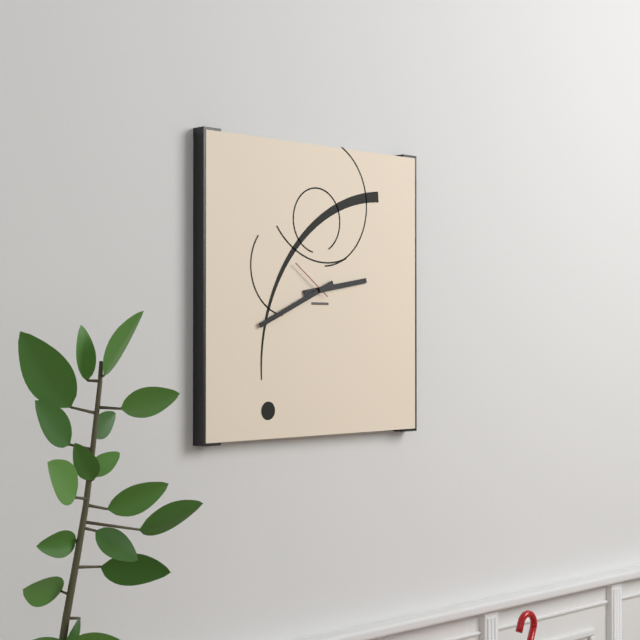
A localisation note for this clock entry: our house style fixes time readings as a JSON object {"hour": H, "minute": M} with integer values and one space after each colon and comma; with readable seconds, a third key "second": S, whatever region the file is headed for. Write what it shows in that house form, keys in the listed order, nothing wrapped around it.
{"hour": 2, "minute": 41}
